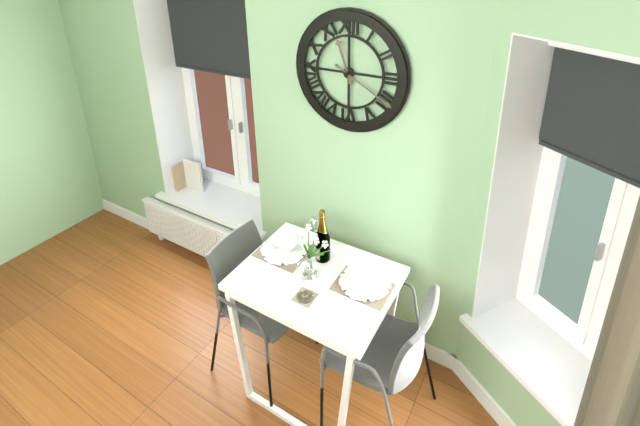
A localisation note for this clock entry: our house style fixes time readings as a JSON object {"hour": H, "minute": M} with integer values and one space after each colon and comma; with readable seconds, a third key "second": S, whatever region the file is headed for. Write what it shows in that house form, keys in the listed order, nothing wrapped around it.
{"hour": 11, "minute": 20}
